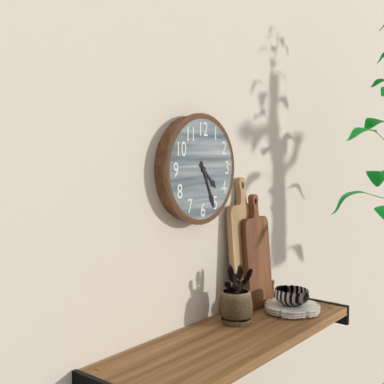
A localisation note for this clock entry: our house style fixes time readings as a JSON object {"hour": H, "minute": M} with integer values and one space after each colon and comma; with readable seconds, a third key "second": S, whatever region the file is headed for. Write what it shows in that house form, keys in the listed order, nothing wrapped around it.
{"hour": 4, "minute": 26}
